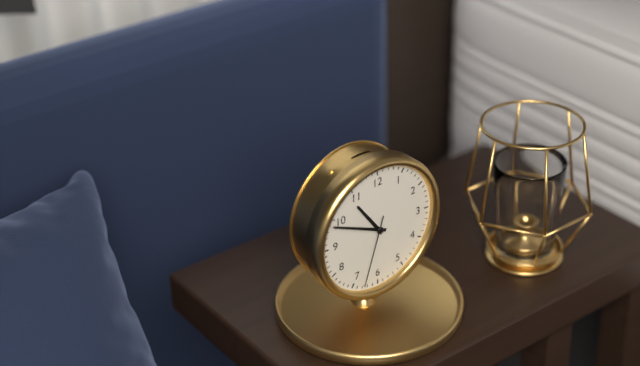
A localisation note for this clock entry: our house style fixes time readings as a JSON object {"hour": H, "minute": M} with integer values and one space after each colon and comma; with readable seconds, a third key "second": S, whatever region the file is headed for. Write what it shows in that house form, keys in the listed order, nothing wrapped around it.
{"hour": 10, "minute": 49, "second": 33}
